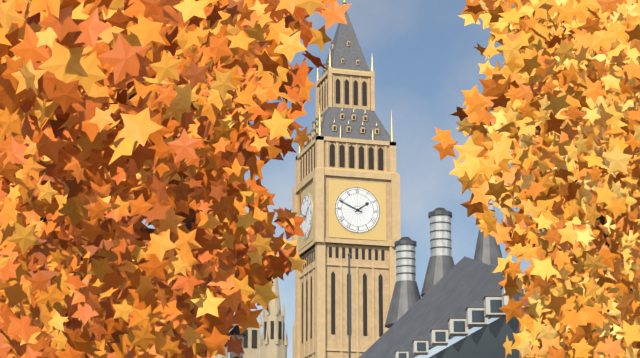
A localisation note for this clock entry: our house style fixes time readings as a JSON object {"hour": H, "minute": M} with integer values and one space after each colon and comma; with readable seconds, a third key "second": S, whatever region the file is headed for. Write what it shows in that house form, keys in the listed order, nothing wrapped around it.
{"hour": 1, "minute": 49}
